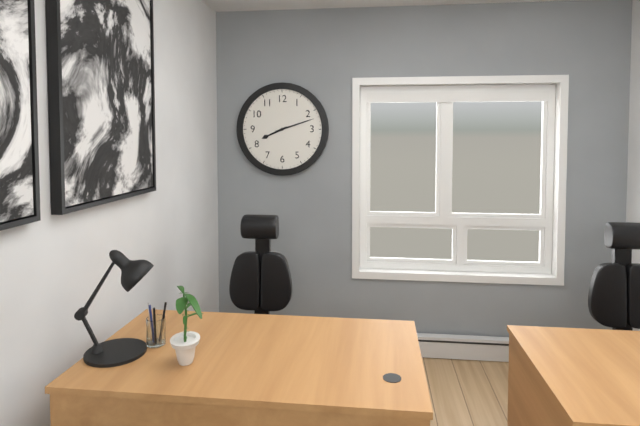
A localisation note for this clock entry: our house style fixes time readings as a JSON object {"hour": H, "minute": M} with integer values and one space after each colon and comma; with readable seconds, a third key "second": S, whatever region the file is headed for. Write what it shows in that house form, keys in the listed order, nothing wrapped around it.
{"hour": 8, "minute": 12}
